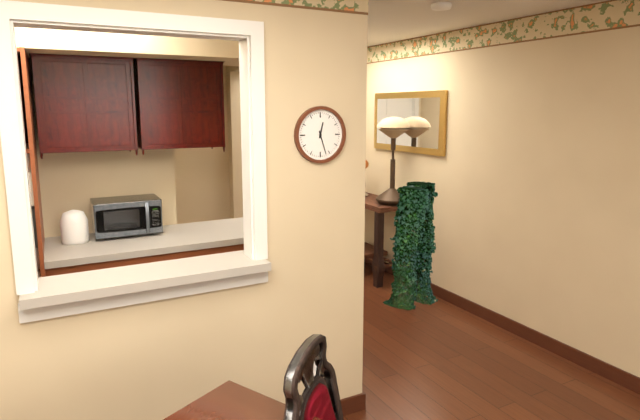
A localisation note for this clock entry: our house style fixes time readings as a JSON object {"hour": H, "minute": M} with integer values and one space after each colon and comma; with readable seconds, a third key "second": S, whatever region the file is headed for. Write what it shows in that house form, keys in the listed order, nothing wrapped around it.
{"hour": 12, "minute": 27}
